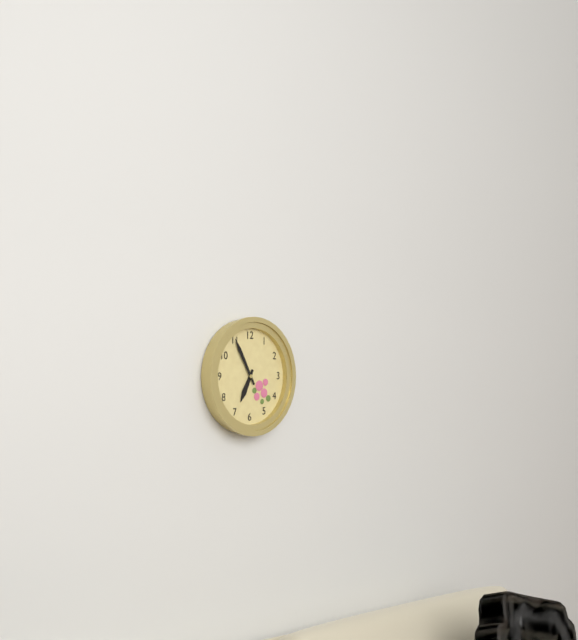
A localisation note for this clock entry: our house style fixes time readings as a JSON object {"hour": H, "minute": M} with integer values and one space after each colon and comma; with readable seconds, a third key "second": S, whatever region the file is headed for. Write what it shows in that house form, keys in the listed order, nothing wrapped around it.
{"hour": 6, "minute": 55}
